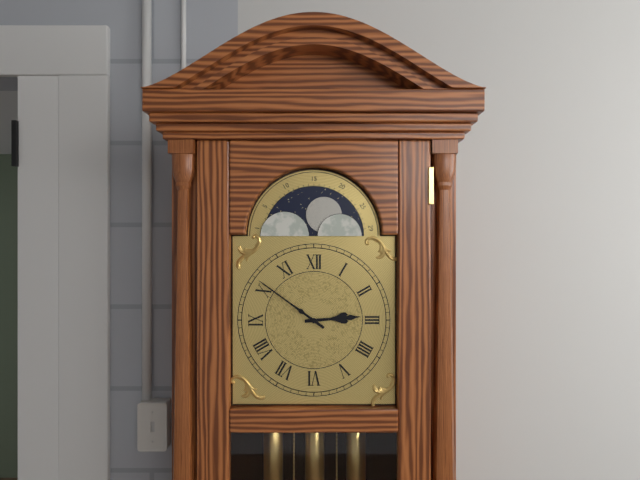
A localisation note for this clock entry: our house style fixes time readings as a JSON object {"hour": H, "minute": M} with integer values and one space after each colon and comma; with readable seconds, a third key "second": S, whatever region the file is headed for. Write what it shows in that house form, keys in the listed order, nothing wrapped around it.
{"hour": 2, "minute": 51}
